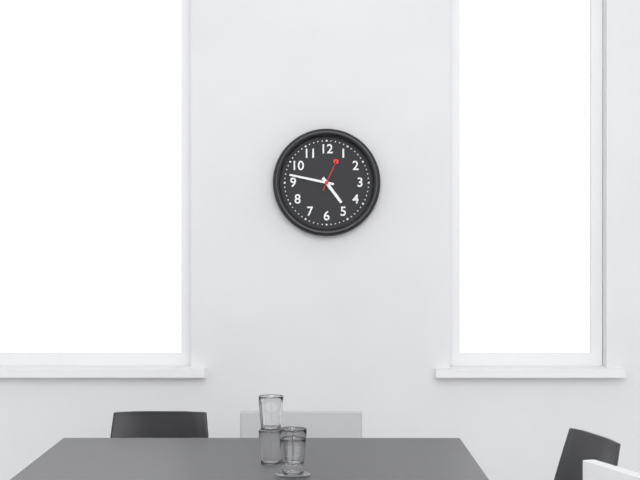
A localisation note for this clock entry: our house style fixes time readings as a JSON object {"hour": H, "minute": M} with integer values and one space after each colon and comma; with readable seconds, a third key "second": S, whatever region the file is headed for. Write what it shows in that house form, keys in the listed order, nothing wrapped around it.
{"hour": 4, "minute": 47}
